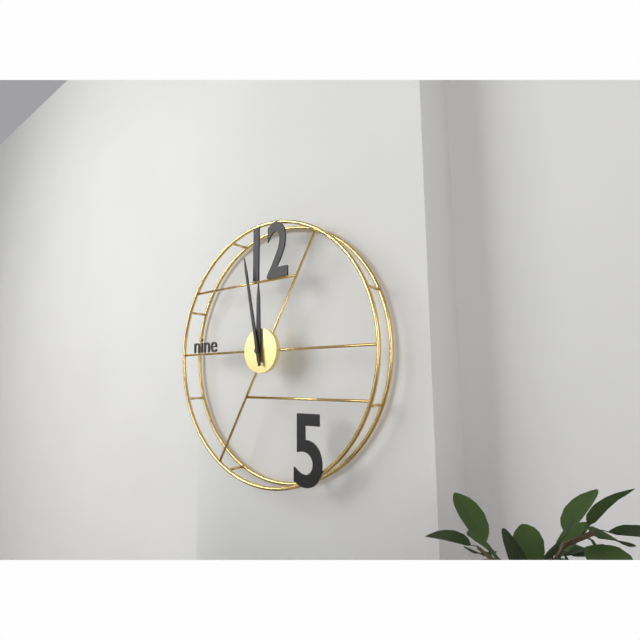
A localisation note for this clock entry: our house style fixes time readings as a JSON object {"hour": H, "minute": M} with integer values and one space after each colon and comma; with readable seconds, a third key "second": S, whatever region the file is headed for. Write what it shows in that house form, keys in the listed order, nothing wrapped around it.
{"hour": 11, "minute": 58}
